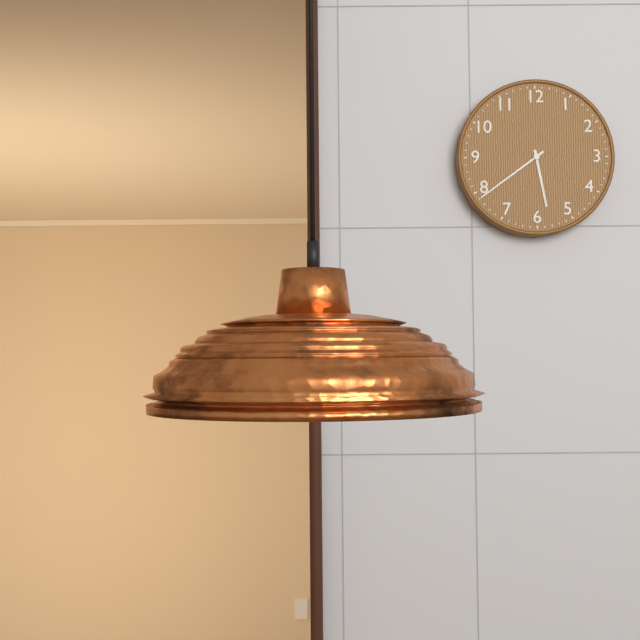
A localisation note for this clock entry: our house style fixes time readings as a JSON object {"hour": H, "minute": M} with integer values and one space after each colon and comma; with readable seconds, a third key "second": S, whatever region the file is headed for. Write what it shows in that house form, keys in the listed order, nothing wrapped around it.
{"hour": 5, "minute": 39}
